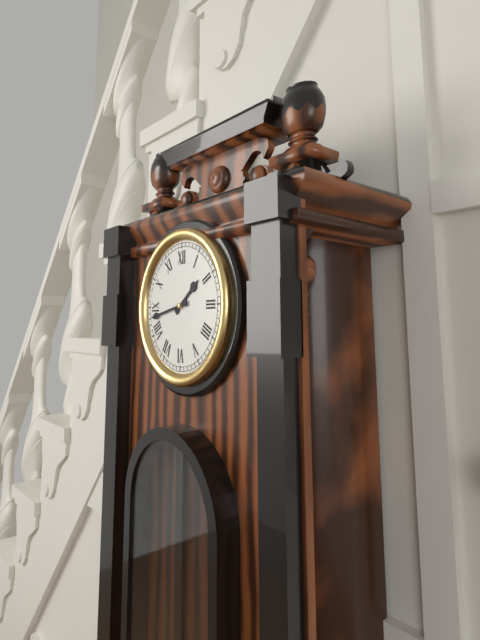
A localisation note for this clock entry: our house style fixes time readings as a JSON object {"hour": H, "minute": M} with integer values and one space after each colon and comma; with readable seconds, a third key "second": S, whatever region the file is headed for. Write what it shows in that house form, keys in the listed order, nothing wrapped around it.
{"hour": 1, "minute": 43}
